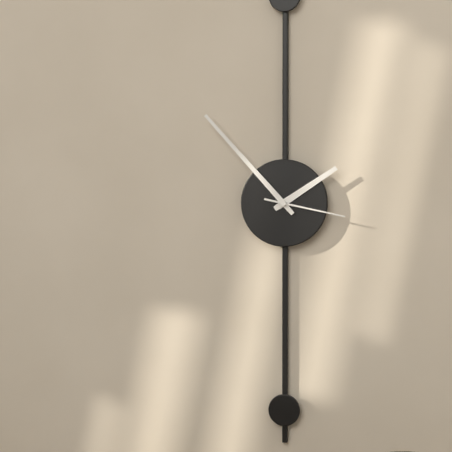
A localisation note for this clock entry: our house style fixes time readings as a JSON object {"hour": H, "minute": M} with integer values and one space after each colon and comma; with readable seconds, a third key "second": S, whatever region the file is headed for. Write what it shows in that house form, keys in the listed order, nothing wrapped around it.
{"hour": 1, "minute": 53, "second": 17}
